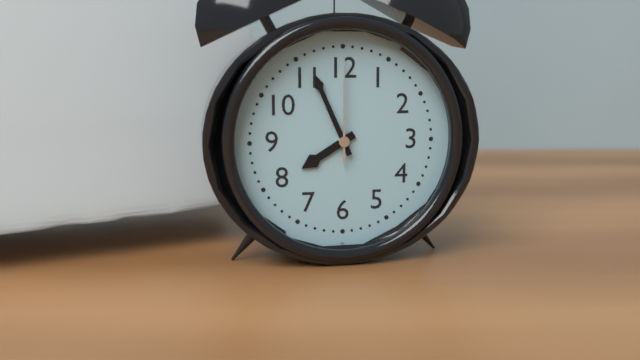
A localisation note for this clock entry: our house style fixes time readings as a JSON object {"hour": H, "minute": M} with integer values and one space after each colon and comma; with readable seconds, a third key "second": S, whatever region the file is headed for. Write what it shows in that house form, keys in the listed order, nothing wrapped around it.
{"hour": 7, "minute": 56, "second": 0}
